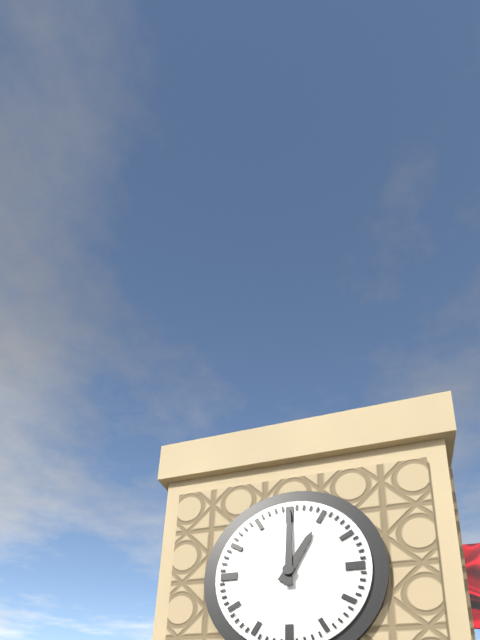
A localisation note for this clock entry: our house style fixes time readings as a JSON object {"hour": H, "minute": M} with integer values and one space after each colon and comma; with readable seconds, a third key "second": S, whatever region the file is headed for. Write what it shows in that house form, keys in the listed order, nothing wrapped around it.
{"hour": 1, "minute": 0}
